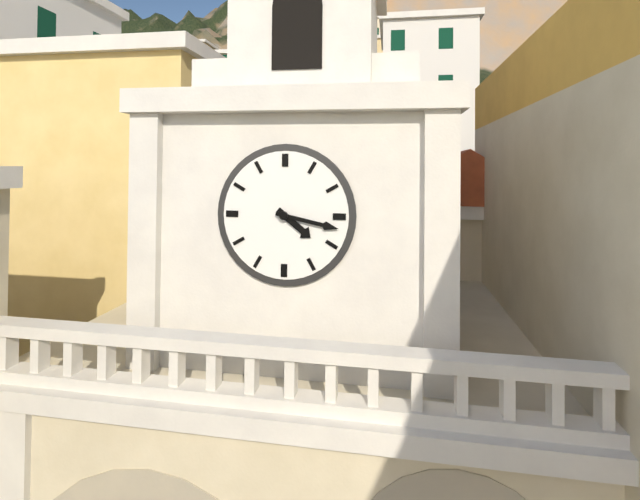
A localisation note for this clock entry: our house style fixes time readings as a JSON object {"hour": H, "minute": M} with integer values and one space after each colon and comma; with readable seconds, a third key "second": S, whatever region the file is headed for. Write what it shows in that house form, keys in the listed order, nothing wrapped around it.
{"hour": 4, "minute": 17}
